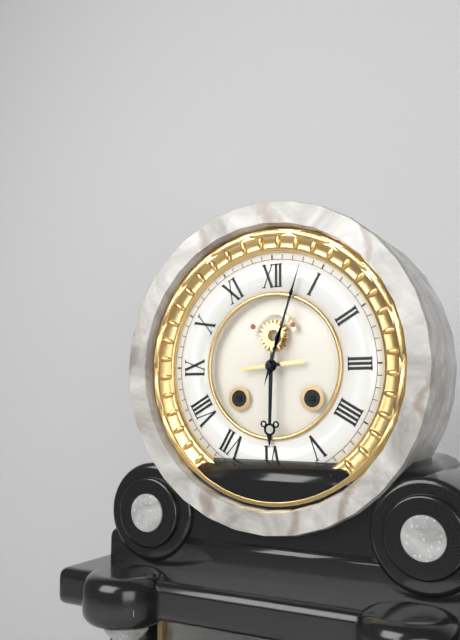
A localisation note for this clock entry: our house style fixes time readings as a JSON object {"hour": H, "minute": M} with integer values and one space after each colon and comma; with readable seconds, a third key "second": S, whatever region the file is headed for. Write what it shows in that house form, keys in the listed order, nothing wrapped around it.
{"hour": 6, "minute": 3}
